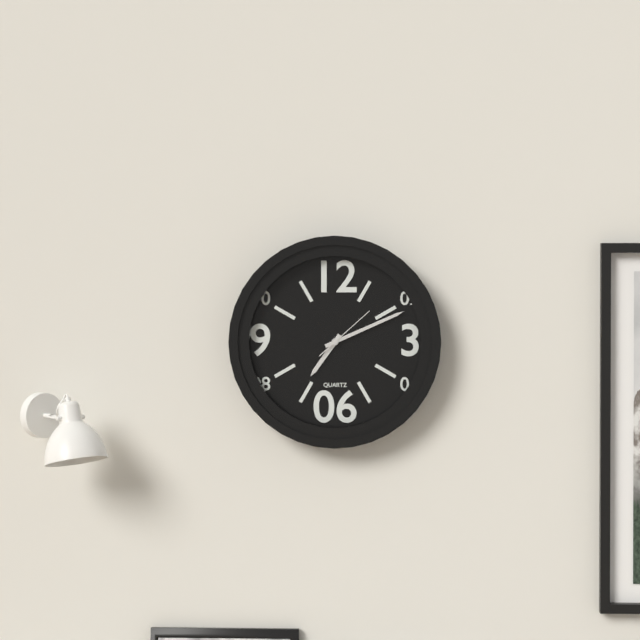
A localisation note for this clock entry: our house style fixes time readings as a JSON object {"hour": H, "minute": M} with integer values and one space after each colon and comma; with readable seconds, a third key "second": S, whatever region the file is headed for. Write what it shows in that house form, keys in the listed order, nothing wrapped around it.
{"hour": 7, "minute": 11, "second": 8}
